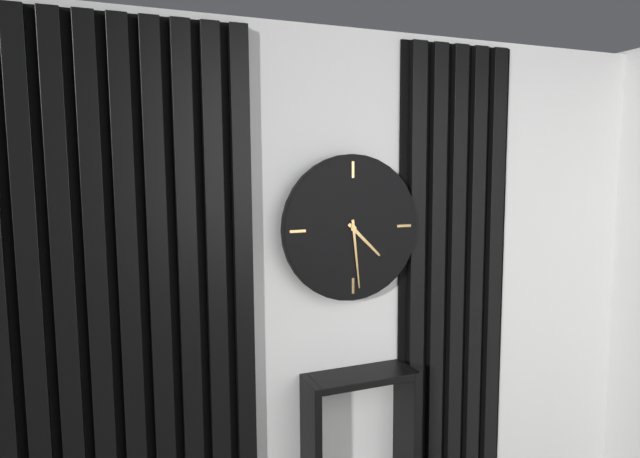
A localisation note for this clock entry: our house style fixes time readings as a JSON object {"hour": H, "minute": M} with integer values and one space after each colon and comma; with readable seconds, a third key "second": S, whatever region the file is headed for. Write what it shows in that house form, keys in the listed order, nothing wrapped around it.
{"hour": 4, "minute": 29}
